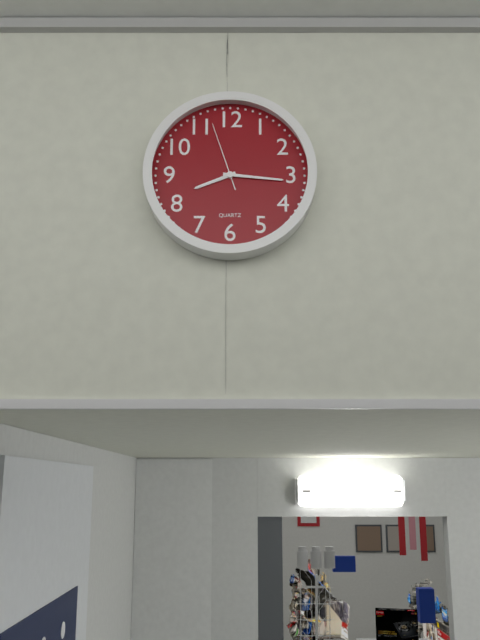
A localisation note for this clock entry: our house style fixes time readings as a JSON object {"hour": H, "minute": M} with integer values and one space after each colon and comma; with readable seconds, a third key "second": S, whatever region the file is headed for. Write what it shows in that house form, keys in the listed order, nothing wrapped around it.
{"hour": 8, "minute": 16, "second": 57}
